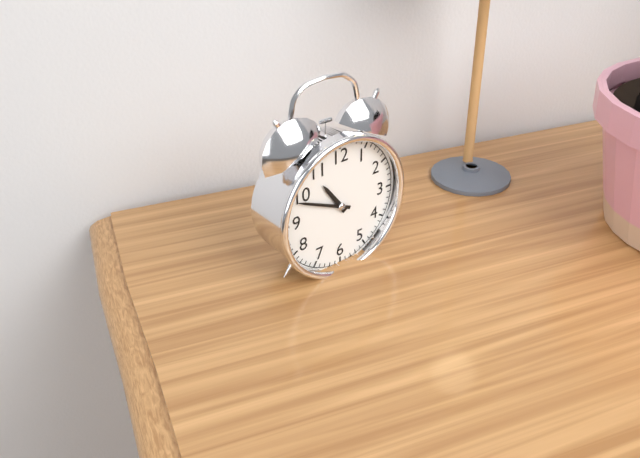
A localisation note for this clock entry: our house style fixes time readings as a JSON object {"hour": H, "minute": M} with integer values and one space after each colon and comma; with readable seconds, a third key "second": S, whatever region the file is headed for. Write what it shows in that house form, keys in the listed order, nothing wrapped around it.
{"hour": 10, "minute": 49}
